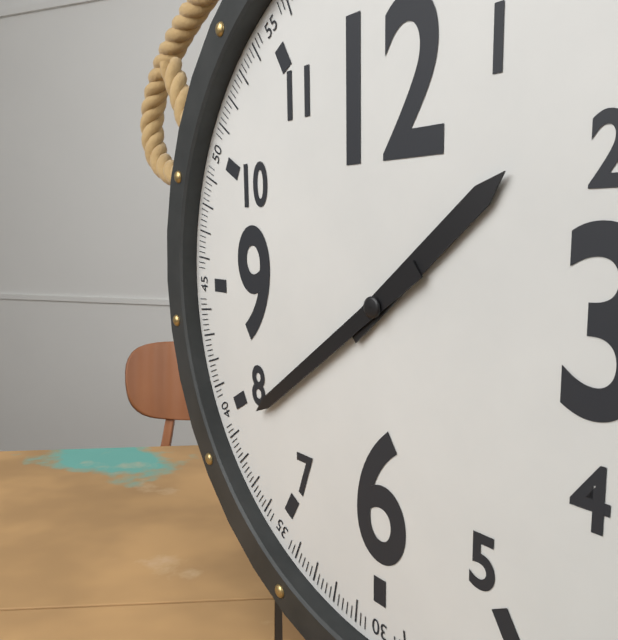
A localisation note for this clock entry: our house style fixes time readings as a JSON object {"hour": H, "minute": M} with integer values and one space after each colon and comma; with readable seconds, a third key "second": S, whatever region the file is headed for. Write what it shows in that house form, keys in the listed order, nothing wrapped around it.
{"hour": 1, "minute": 39}
